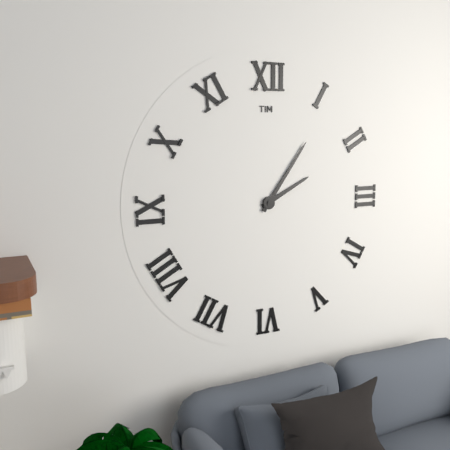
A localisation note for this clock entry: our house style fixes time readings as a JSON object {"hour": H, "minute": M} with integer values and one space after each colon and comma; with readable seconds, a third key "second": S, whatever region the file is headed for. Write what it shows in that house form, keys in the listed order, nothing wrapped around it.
{"hour": 2, "minute": 6}
